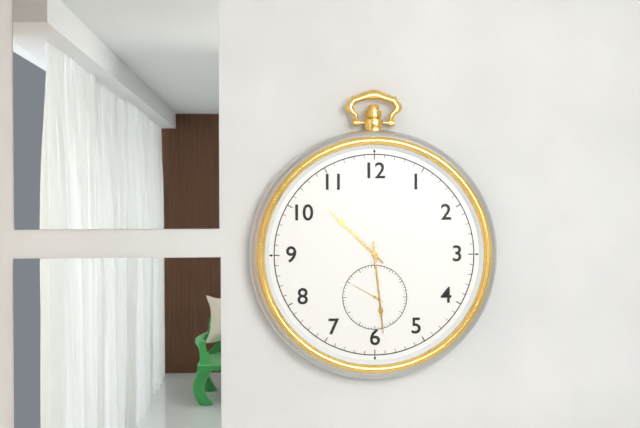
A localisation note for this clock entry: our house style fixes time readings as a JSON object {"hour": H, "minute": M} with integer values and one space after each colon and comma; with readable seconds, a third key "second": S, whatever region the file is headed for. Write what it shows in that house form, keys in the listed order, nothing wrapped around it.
{"hour": 10, "minute": 29}
